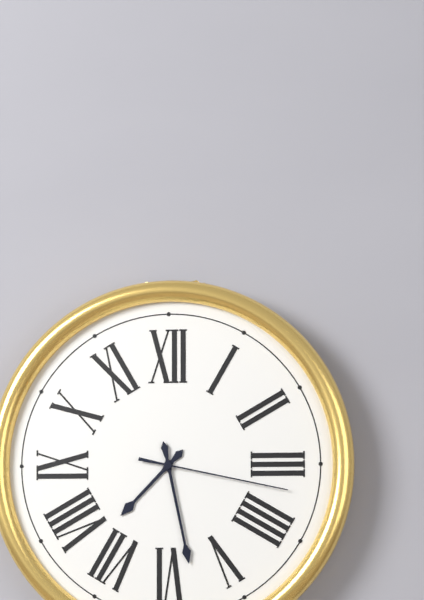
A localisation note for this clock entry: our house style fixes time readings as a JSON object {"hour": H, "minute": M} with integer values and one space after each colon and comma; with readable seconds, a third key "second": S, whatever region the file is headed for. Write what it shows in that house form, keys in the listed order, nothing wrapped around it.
{"hour": 7, "minute": 28, "second": 17}
